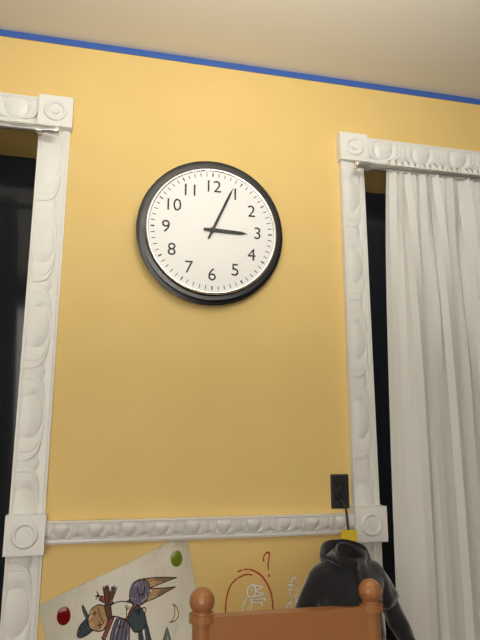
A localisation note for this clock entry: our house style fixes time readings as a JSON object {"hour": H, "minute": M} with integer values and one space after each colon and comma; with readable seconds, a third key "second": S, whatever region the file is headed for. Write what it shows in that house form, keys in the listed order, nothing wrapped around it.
{"hour": 3, "minute": 4}
